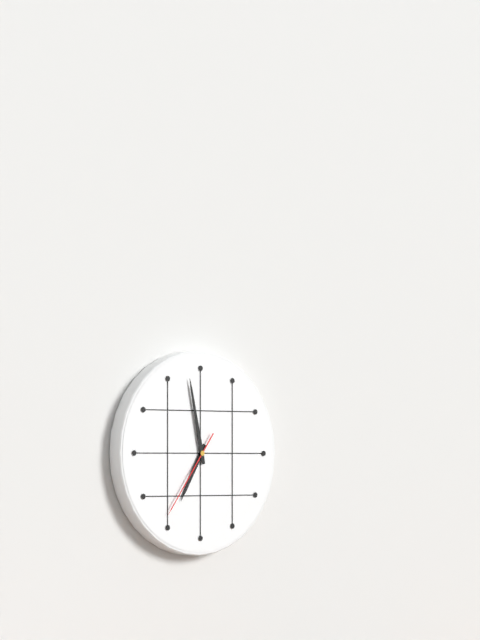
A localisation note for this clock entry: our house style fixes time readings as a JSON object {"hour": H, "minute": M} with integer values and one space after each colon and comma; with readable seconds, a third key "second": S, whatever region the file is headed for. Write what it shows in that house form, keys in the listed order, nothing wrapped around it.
{"hour": 6, "minute": 58, "second": 36}
